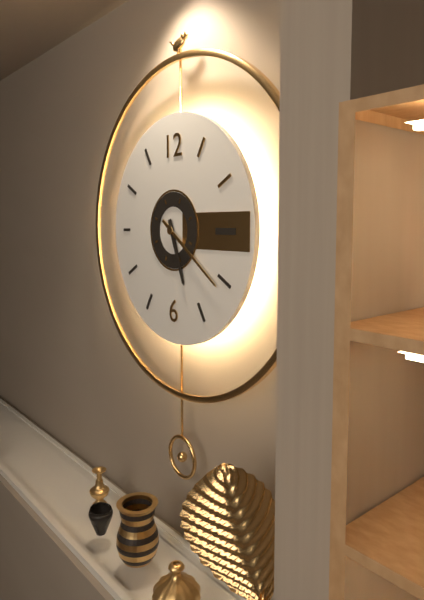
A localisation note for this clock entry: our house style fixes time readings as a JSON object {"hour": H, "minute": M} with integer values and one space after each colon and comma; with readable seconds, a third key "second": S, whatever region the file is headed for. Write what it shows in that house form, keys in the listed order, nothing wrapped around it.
{"hour": 5, "minute": 21}
